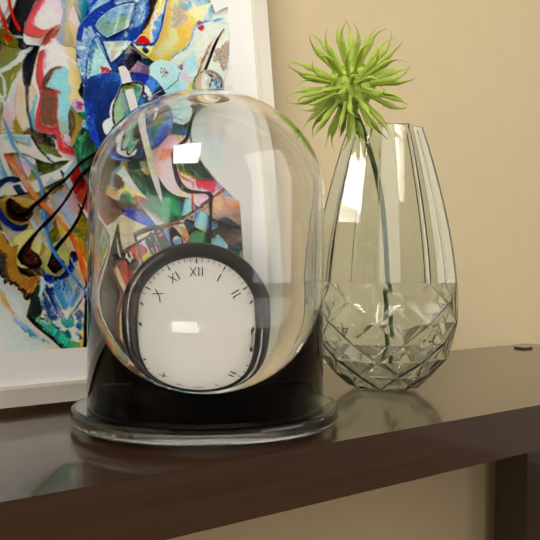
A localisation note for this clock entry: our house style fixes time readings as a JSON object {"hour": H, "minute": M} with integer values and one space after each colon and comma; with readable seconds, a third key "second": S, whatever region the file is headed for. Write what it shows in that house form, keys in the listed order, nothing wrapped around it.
{"hour": 7, "minute": 41}
